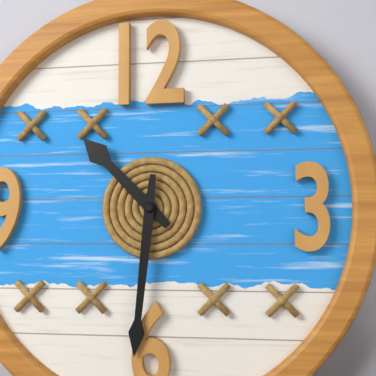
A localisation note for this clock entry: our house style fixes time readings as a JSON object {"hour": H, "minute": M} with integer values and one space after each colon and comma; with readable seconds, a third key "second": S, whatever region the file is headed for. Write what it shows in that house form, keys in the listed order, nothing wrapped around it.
{"hour": 10, "minute": 31}
